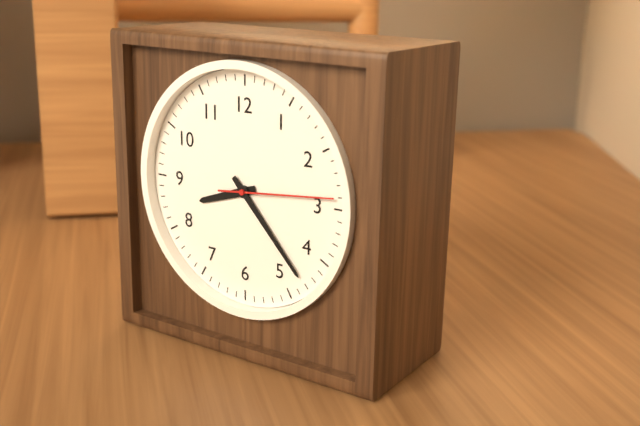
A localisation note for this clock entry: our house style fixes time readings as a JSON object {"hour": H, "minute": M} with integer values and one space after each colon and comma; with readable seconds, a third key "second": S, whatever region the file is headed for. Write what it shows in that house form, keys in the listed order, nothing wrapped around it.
{"hour": 8, "minute": 23, "second": 14}
